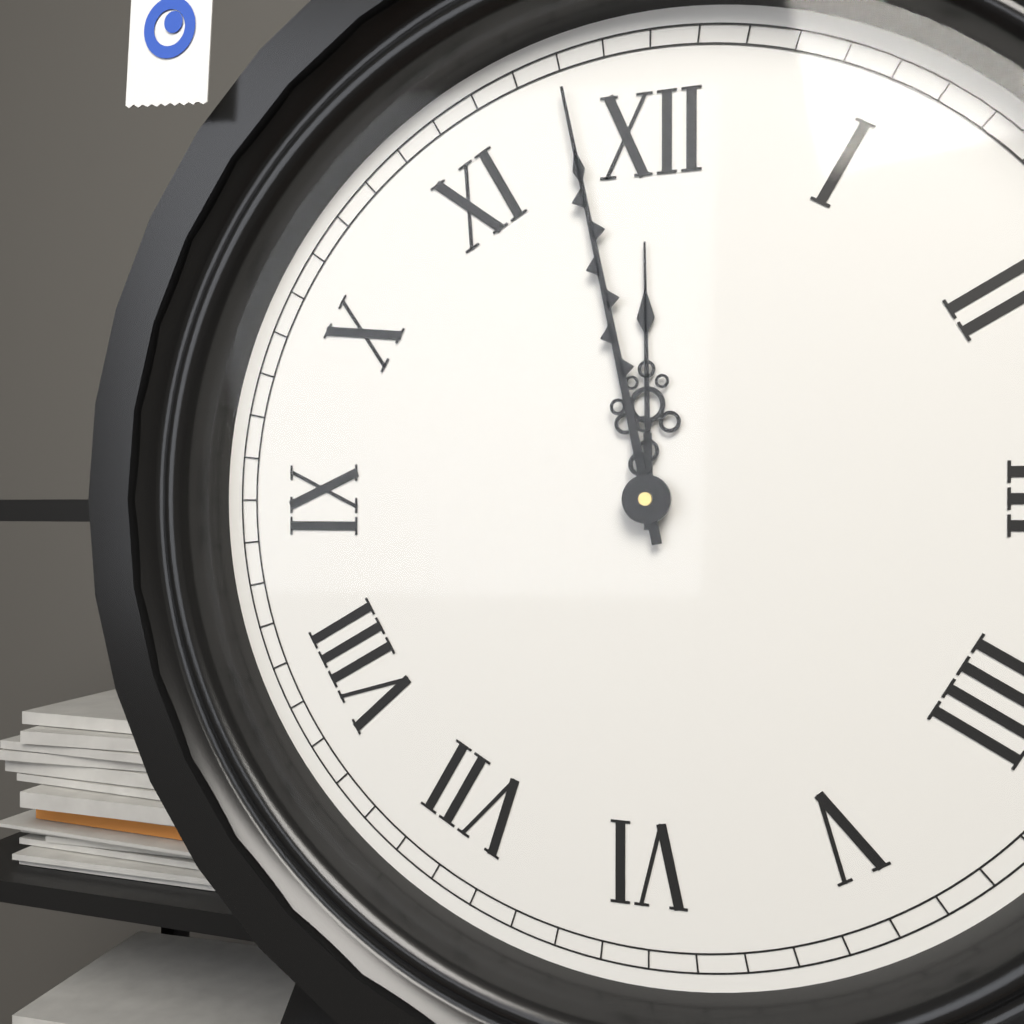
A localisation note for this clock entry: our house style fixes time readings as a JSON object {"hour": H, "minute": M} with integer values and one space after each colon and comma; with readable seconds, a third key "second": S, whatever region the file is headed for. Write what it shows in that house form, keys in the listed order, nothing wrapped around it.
{"hour": 11, "minute": 58}
